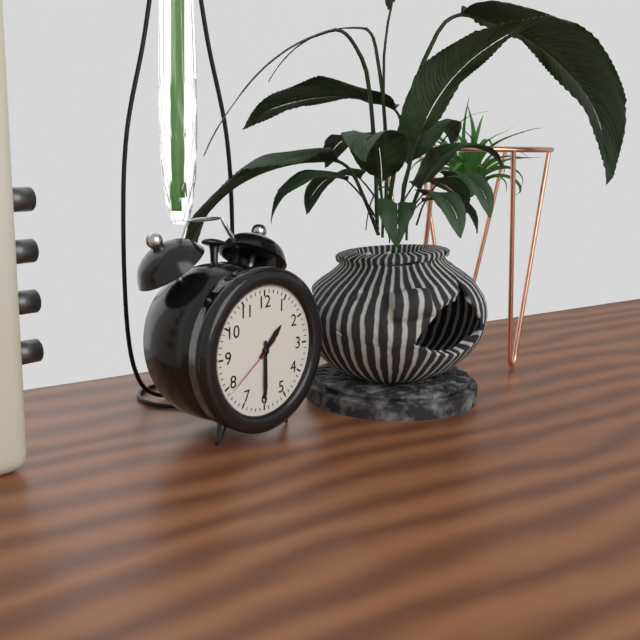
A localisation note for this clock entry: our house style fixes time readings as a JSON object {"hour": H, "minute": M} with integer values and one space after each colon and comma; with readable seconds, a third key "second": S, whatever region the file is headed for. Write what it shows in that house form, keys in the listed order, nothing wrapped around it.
{"hour": 1, "minute": 30, "second": 39}
